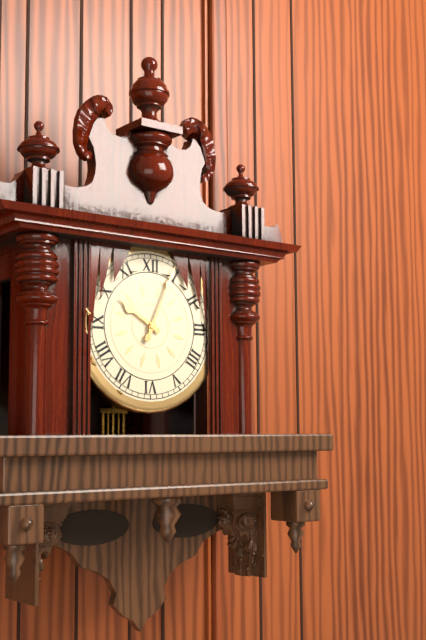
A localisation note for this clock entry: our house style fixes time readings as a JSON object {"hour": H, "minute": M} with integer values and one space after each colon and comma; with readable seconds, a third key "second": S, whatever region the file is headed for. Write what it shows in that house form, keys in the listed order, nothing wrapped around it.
{"hour": 10, "minute": 4}
